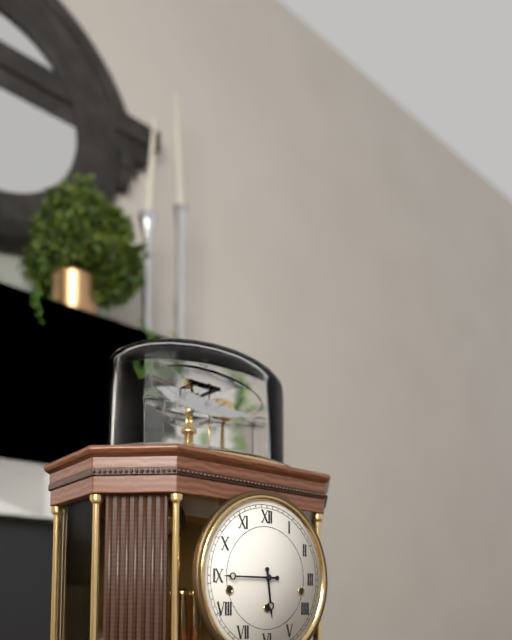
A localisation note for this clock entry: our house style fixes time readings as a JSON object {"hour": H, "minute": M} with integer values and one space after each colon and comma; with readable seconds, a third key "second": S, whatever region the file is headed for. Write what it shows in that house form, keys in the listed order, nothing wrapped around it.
{"hour": 5, "minute": 45}
